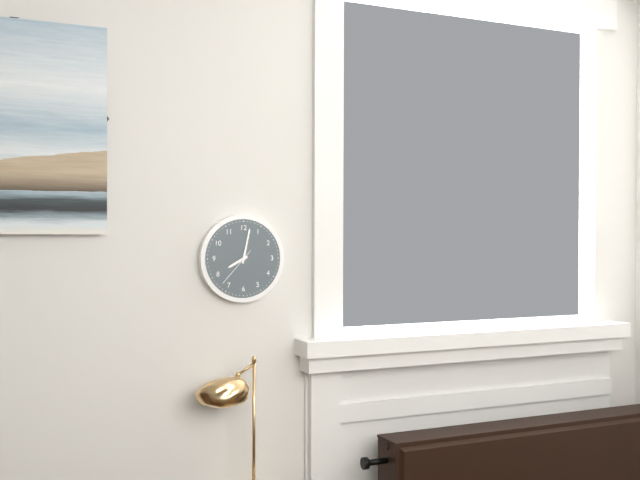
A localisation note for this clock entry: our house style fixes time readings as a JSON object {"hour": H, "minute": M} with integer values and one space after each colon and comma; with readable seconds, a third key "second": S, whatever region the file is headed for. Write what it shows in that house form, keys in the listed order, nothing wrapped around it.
{"hour": 8, "minute": 2}
